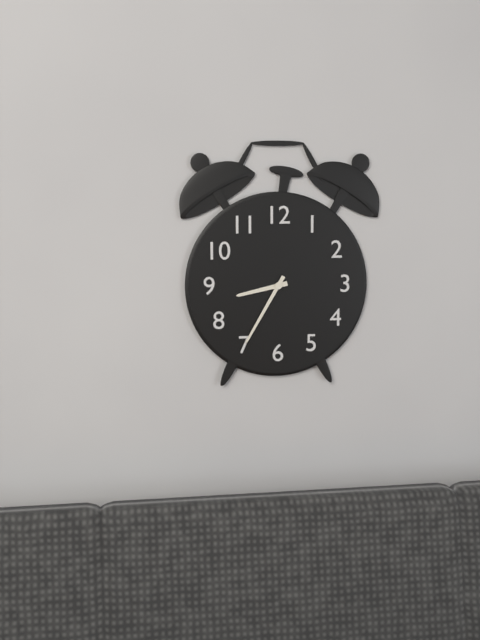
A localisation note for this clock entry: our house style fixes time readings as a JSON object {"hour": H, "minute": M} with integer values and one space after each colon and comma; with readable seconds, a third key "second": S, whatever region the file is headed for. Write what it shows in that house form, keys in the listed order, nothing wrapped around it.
{"hour": 8, "minute": 35}
